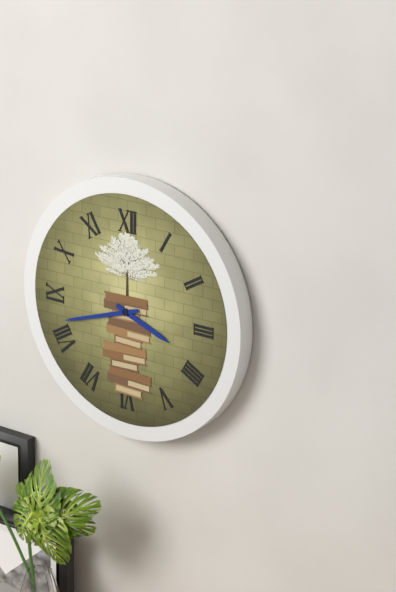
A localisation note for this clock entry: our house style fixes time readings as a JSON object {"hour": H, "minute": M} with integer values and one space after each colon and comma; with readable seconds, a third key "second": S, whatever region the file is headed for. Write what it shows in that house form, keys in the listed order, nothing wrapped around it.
{"hour": 3, "minute": 42}
